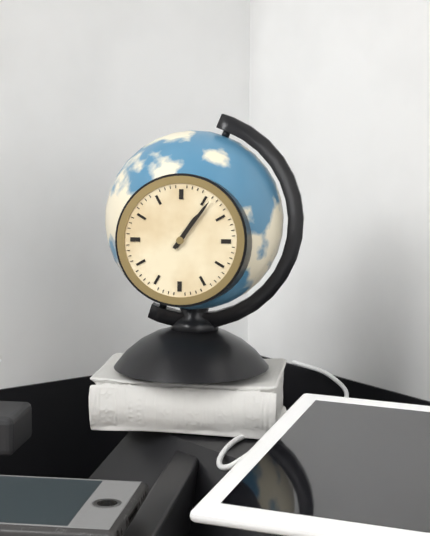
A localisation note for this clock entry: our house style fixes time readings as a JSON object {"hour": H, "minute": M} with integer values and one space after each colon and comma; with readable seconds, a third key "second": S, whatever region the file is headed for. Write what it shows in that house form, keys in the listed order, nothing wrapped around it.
{"hour": 1, "minute": 6}
